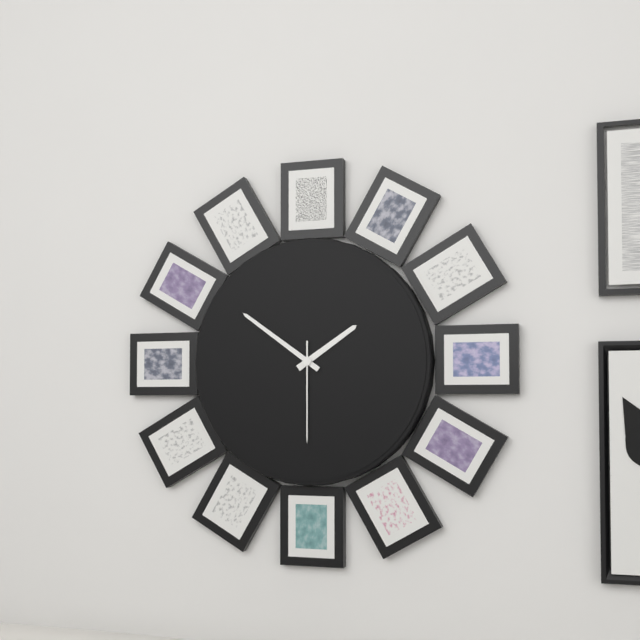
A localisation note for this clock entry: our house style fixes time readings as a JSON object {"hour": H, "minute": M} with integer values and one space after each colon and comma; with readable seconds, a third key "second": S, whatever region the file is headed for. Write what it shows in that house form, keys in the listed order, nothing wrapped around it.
{"hour": 1, "minute": 51, "second": 30}
